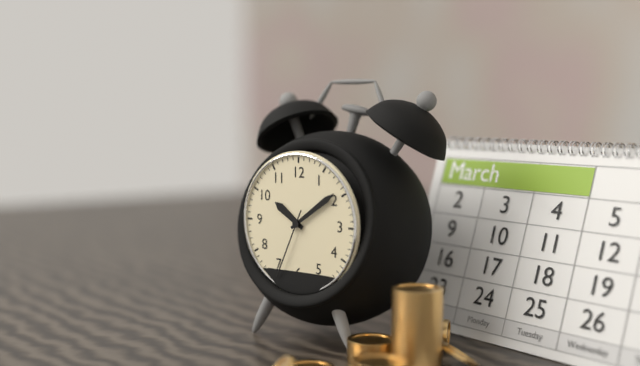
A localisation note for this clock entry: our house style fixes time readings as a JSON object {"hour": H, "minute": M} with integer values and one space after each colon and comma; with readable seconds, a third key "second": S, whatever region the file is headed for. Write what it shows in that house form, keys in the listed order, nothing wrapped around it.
{"hour": 10, "minute": 9, "second": 34}
